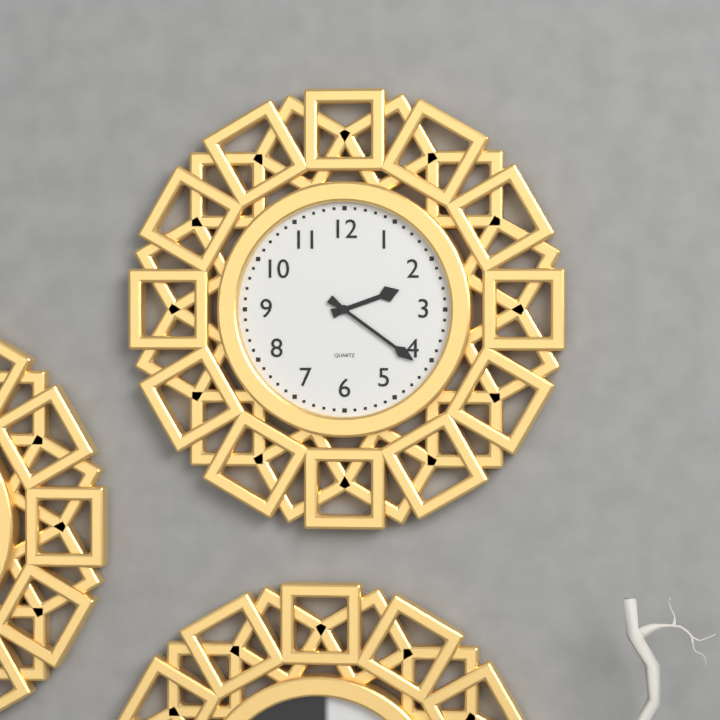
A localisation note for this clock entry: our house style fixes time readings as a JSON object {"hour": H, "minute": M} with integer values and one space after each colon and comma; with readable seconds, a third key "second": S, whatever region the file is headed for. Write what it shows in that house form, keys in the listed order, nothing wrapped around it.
{"hour": 2, "minute": 21}
